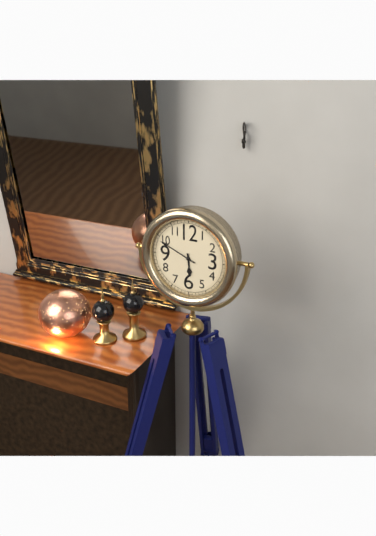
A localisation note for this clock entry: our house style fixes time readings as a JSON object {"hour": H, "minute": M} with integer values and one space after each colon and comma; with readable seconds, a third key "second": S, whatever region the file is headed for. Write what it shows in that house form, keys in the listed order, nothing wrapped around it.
{"hour": 5, "minute": 49}
